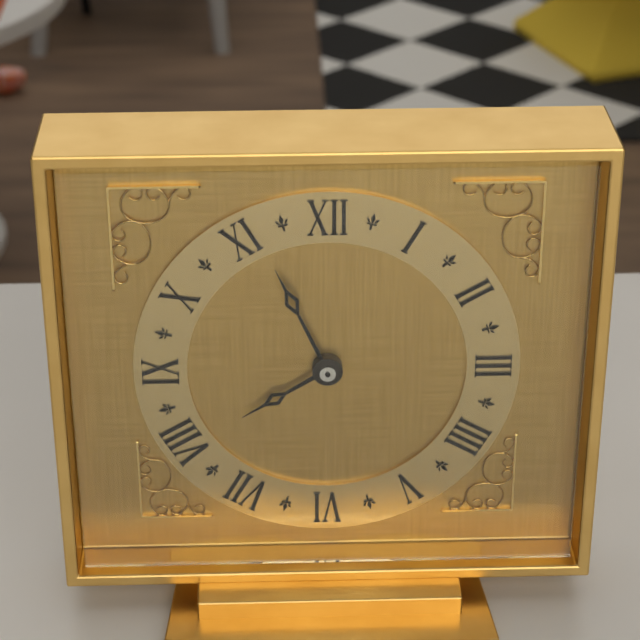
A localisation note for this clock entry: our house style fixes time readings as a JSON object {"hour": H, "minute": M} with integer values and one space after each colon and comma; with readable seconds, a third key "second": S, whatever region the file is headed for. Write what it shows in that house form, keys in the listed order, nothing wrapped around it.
{"hour": 7, "minute": 56}
